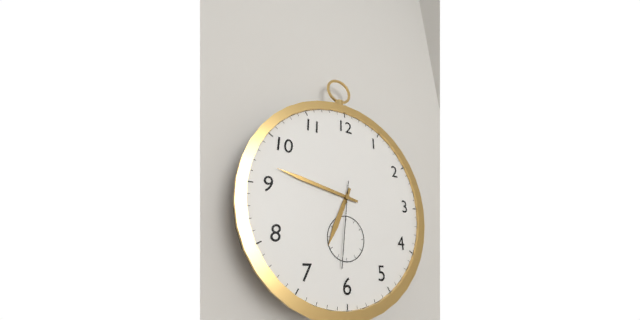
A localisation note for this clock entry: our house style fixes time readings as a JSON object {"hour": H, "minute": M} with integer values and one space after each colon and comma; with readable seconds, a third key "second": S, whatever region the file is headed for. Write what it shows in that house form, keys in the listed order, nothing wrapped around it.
{"hour": 6, "minute": 47, "second": 31}
